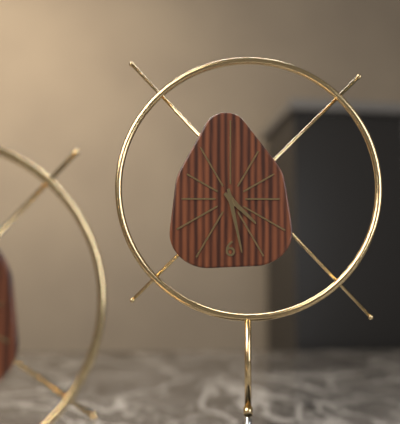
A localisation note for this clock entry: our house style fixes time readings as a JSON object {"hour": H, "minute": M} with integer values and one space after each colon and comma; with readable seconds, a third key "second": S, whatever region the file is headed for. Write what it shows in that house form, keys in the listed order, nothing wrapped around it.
{"hour": 4, "minute": 28}
